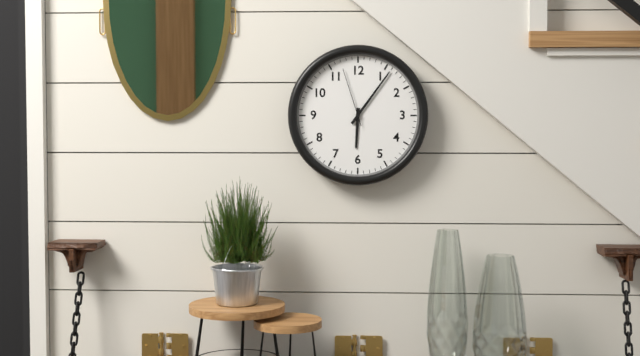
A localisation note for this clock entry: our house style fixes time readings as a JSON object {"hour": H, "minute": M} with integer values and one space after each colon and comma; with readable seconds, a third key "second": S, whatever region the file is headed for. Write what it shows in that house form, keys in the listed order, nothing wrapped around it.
{"hour": 6, "minute": 6, "second": 57}
